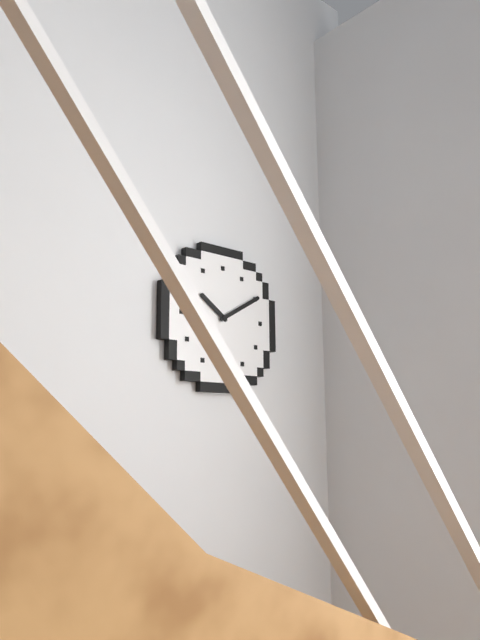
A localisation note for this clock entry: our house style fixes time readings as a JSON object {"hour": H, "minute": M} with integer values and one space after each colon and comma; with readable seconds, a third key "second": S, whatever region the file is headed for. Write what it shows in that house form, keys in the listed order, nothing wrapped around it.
{"hour": 10, "minute": 10}
